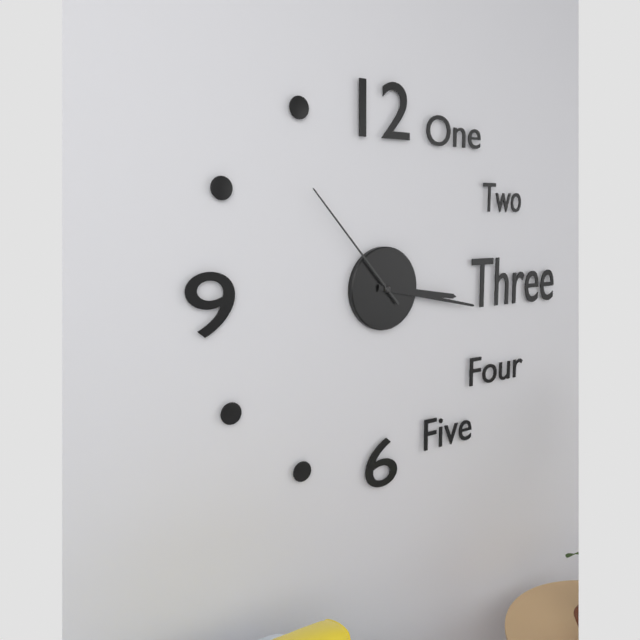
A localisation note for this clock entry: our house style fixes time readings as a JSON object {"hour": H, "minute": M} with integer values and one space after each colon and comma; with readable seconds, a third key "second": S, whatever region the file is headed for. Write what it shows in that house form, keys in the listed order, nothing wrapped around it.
{"hour": 3, "minute": 17, "second": 53}
